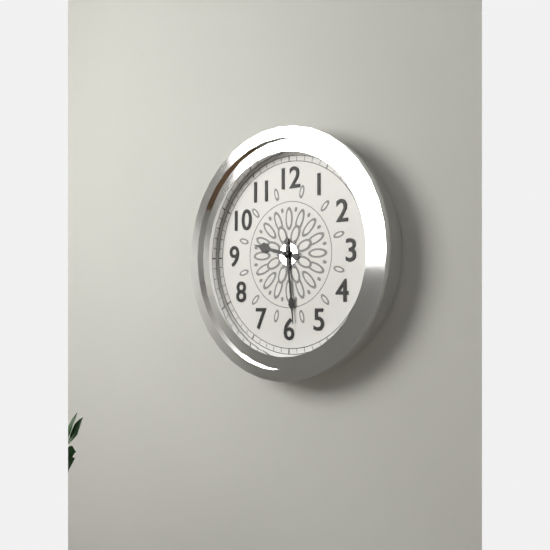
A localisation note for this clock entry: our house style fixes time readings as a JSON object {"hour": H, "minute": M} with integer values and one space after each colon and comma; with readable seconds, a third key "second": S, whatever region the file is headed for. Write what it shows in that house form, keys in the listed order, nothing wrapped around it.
{"hour": 9, "minute": 29}
